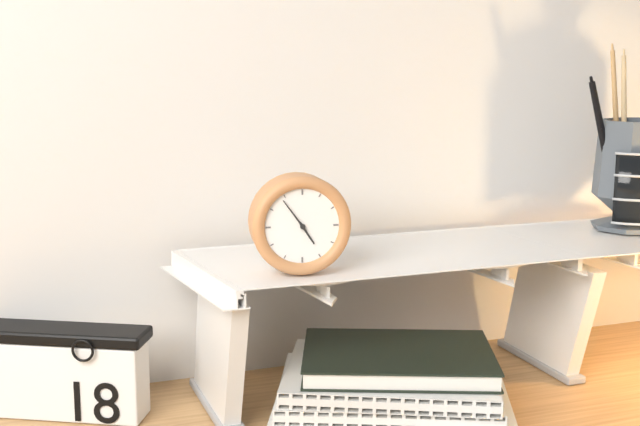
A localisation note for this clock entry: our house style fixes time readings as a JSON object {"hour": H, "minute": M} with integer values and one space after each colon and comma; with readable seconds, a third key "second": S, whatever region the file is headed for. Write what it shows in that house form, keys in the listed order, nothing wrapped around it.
{"hour": 4, "minute": 54}
